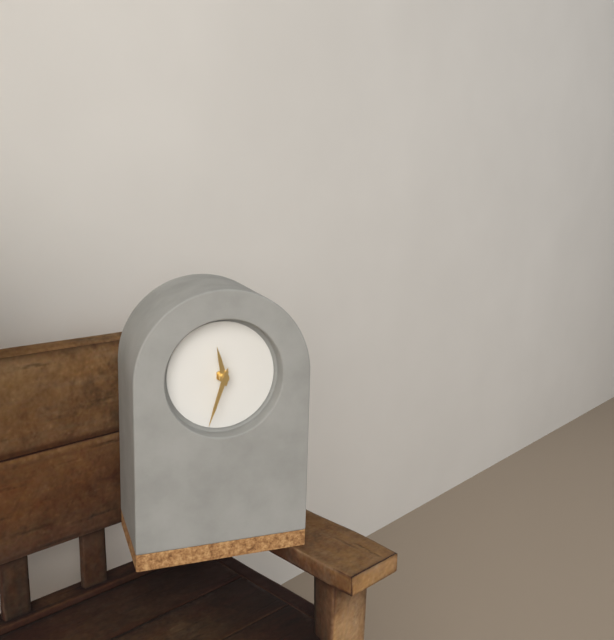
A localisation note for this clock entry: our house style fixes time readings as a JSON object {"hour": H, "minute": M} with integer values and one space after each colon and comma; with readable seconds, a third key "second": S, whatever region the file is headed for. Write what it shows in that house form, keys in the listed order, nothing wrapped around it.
{"hour": 11, "minute": 33}
